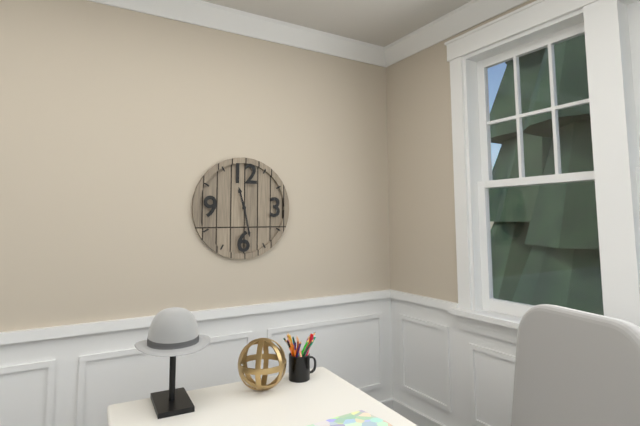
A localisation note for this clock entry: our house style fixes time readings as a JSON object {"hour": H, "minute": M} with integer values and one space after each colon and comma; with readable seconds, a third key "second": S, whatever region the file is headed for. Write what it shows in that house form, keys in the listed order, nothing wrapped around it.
{"hour": 11, "minute": 28}
